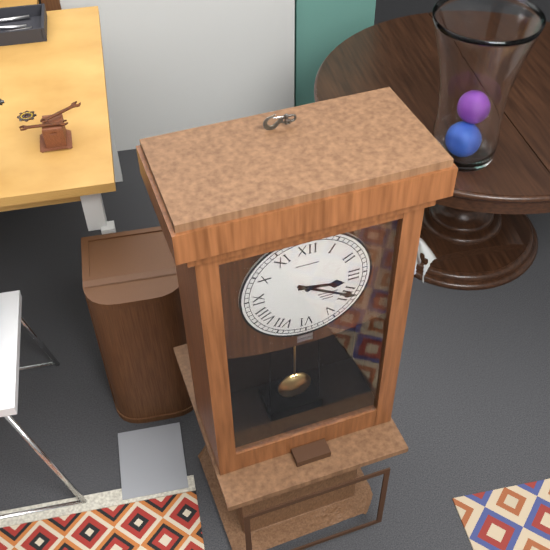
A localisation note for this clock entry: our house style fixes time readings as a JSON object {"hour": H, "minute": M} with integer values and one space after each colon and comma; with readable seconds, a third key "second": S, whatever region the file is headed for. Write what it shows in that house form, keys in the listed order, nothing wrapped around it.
{"hour": 3, "minute": 20}
